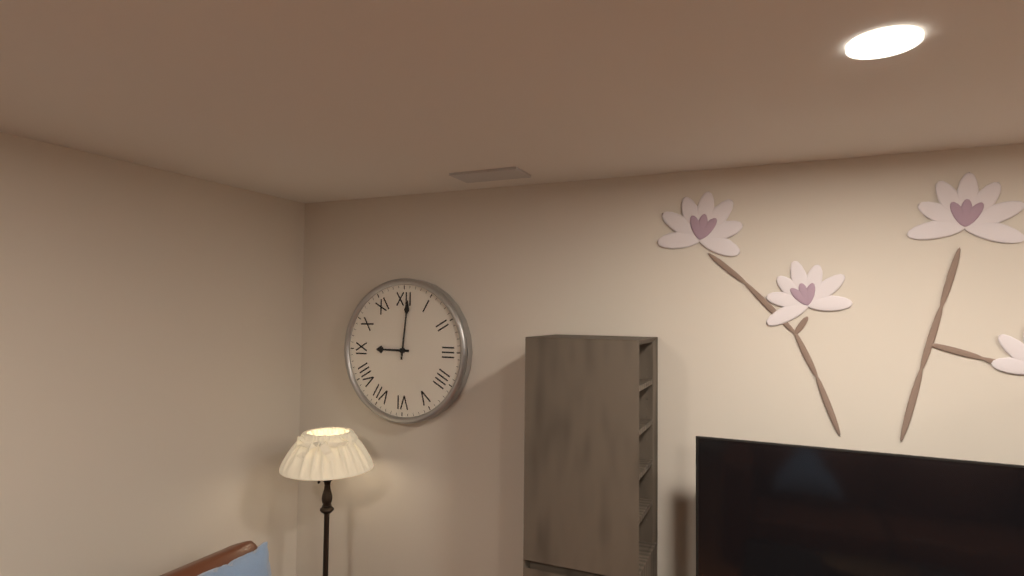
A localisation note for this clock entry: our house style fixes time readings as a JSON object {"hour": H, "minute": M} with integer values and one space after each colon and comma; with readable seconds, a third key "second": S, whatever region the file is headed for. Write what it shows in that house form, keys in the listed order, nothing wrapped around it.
{"hour": 9, "minute": 1}
